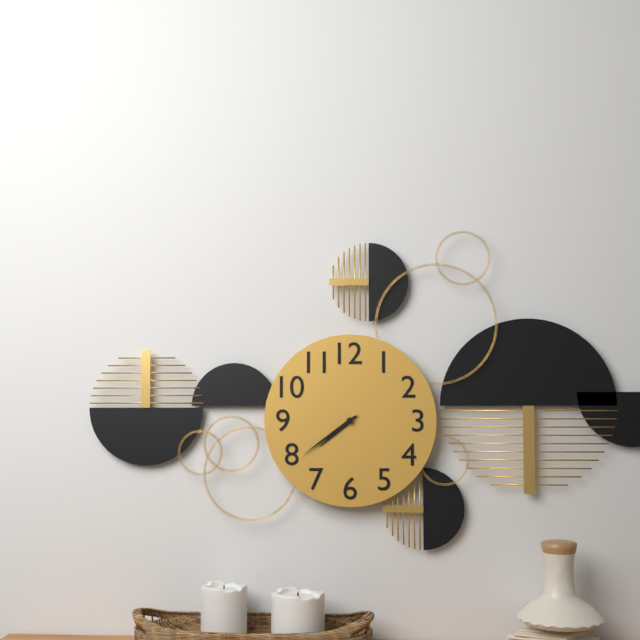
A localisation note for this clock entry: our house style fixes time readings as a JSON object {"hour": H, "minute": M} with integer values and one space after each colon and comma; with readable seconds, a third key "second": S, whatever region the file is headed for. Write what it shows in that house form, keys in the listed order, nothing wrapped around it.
{"hour": 7, "minute": 39}
